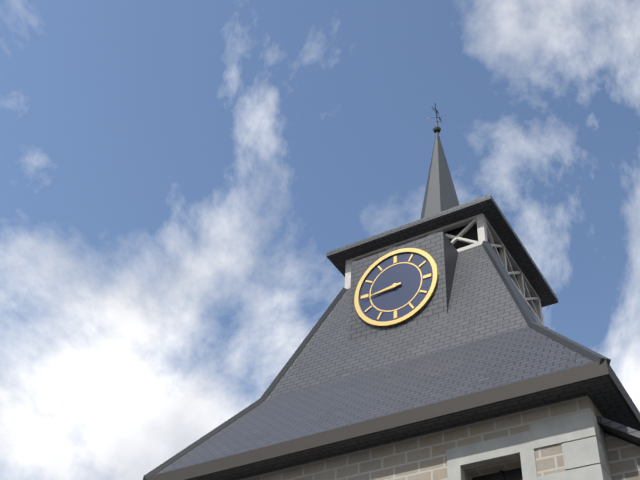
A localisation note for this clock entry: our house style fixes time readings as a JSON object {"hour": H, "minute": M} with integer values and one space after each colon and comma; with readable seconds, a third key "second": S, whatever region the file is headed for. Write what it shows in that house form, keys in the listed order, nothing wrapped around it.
{"hour": 8, "minute": 44}
